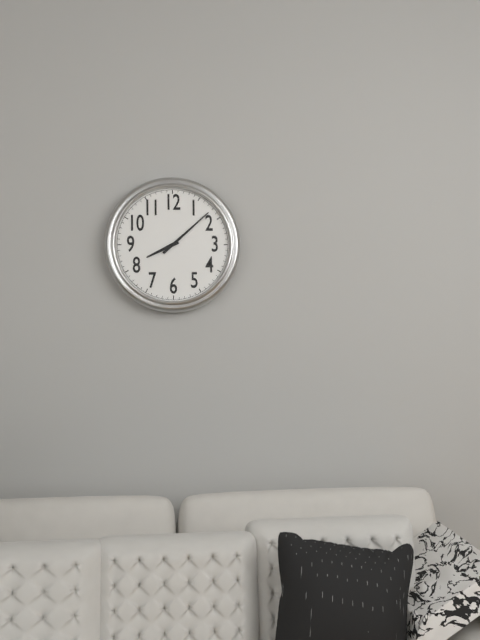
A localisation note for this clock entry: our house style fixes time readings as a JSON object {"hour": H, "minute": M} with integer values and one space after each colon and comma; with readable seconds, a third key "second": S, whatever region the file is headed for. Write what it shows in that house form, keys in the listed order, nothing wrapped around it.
{"hour": 8, "minute": 8}
